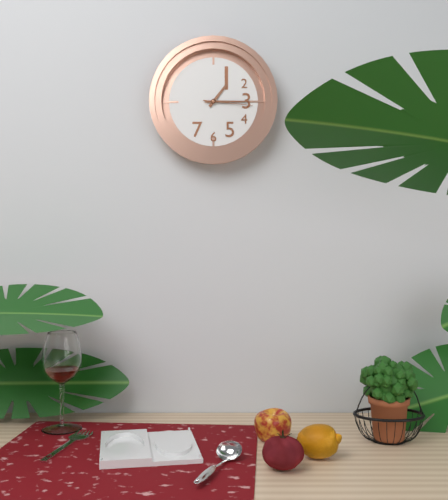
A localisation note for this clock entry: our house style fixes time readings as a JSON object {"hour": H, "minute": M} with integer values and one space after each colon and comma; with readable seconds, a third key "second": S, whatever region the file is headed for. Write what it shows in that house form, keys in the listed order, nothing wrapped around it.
{"hour": 1, "minute": 15}
